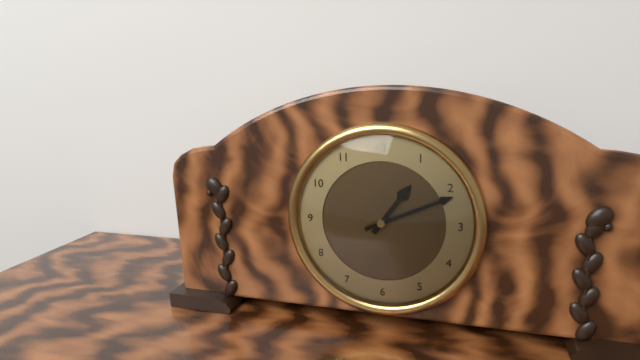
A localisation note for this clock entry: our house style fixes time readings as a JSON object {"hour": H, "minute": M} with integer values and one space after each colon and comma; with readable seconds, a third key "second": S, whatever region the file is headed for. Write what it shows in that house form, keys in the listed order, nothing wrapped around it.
{"hour": 1, "minute": 11}
